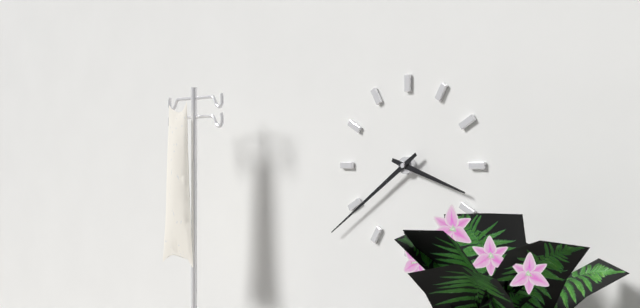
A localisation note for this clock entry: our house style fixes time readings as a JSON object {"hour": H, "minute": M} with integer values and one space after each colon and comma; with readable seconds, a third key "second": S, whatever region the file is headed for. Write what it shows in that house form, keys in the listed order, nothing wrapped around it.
{"hour": 3, "minute": 39}
